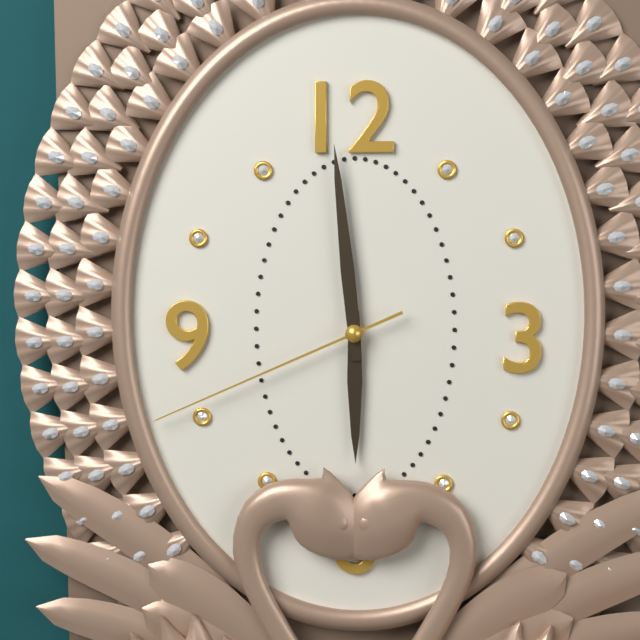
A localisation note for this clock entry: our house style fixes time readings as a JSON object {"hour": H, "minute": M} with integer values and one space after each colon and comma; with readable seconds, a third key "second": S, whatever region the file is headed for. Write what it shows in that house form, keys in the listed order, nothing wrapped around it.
{"hour": 5, "minute": 59, "second": 41}
